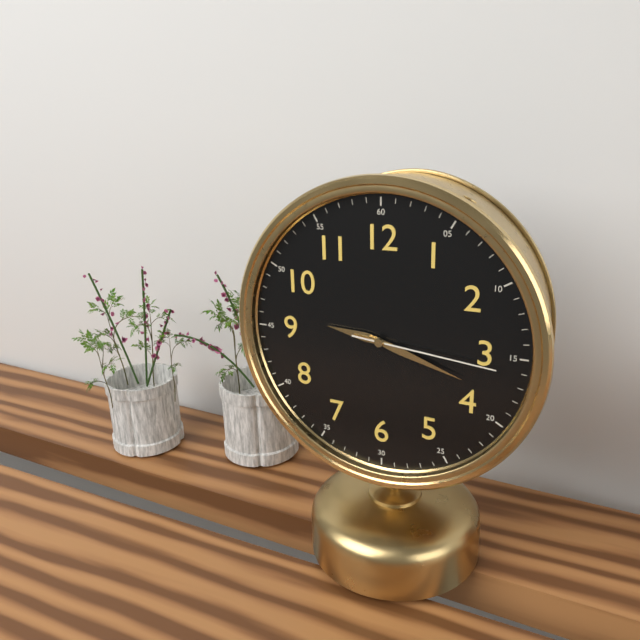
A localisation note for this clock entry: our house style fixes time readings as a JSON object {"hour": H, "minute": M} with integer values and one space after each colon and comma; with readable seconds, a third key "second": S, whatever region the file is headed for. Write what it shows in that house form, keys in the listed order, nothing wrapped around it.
{"hour": 9, "minute": 18, "second": 16}
